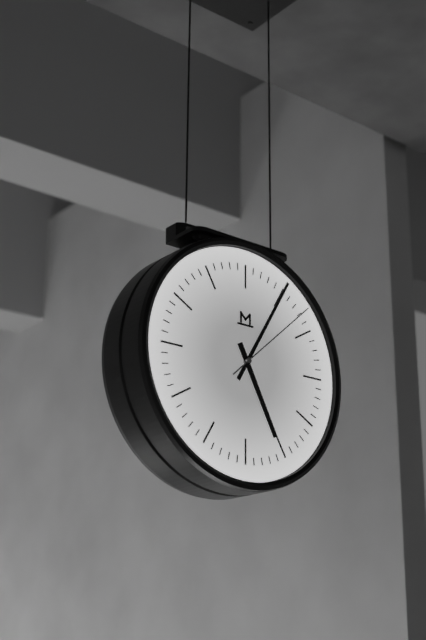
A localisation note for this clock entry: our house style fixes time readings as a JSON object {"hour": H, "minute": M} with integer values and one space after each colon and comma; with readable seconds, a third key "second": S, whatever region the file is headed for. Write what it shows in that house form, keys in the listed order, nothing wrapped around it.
{"hour": 5, "minute": 5, "second": 8}
